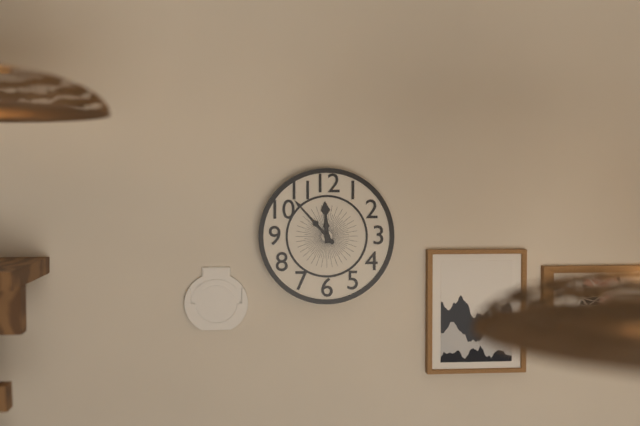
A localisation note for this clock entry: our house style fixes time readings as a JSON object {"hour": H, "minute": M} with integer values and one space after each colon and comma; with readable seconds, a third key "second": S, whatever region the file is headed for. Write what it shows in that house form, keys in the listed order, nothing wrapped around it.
{"hour": 11, "minute": 53}
